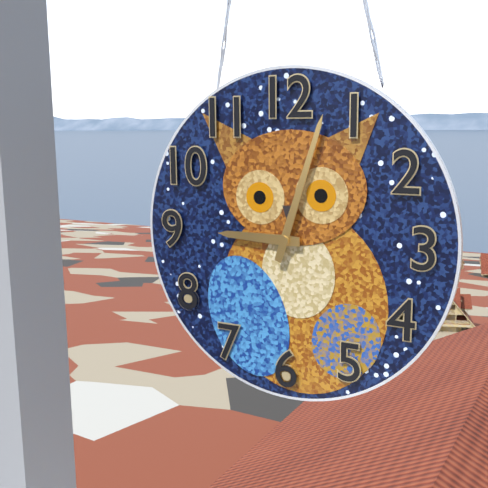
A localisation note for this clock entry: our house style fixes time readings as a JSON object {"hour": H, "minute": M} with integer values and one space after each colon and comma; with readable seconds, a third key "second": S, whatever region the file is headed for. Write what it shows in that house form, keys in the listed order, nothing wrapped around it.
{"hour": 9, "minute": 3}
